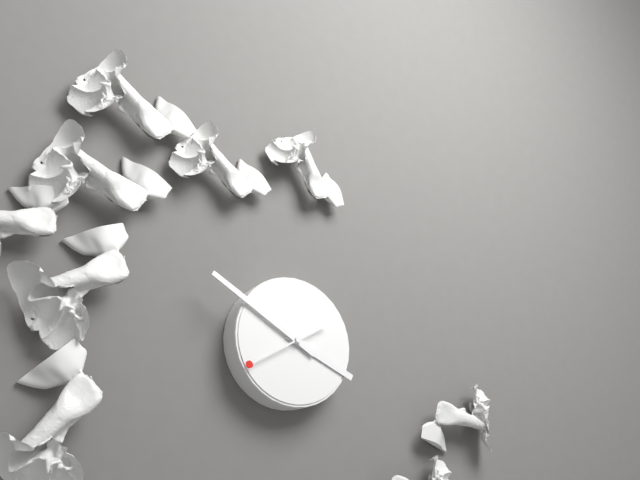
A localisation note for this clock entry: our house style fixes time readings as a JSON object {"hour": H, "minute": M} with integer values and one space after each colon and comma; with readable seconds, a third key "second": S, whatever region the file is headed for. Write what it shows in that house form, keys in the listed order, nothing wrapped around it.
{"hour": 3, "minute": 50, "second": 40}
